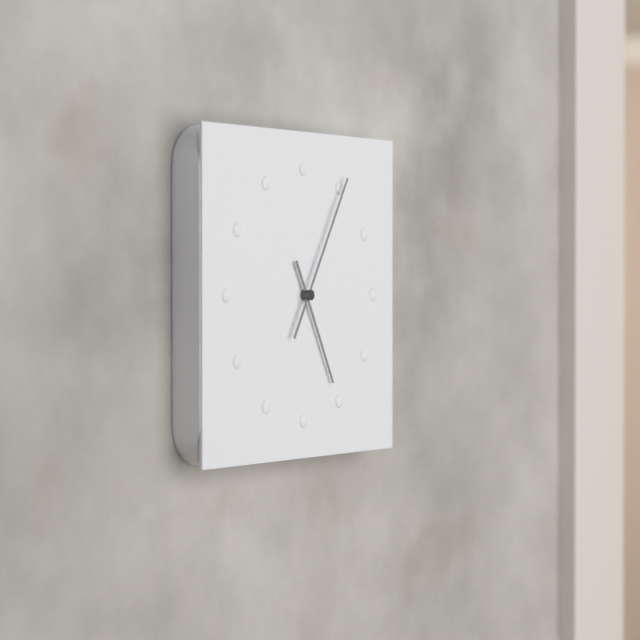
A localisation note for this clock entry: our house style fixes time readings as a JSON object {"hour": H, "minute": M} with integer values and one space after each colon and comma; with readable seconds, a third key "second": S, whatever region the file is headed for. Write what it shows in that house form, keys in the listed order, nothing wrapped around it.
{"hour": 5, "minute": 5}
